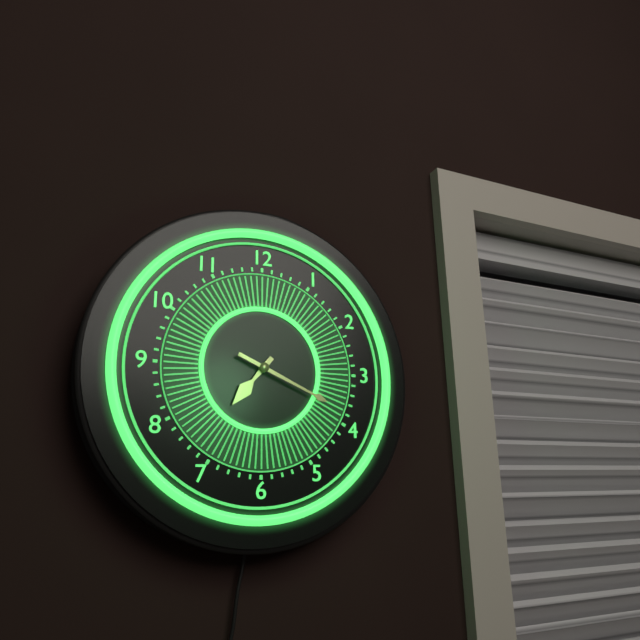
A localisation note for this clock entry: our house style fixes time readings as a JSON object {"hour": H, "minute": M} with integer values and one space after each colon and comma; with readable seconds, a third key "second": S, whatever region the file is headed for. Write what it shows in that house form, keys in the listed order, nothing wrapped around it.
{"hour": 7, "minute": 19}
